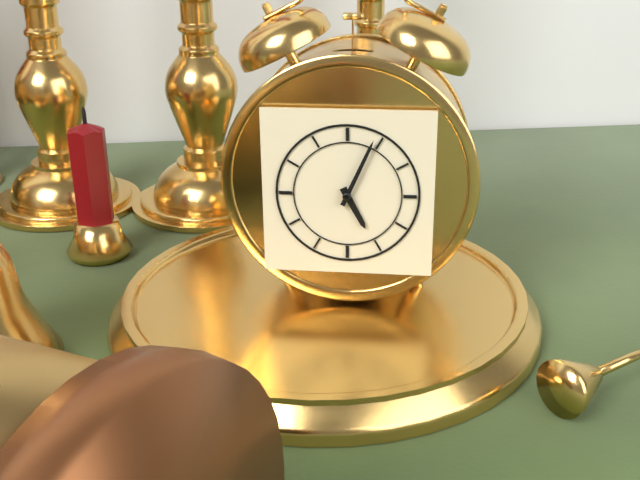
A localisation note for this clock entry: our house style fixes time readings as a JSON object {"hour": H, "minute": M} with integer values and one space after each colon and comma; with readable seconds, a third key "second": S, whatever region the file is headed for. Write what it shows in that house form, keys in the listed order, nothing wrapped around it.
{"hour": 5, "minute": 4}
